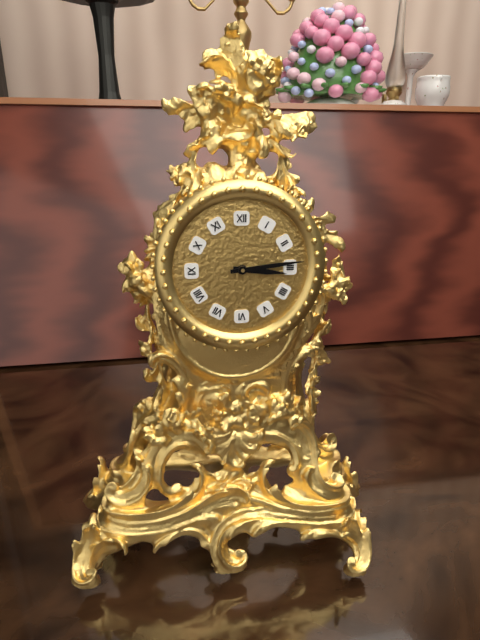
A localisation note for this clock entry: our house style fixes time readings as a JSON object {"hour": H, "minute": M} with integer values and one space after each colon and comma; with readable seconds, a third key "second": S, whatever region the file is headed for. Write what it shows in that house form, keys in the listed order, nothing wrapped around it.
{"hour": 3, "minute": 14}
